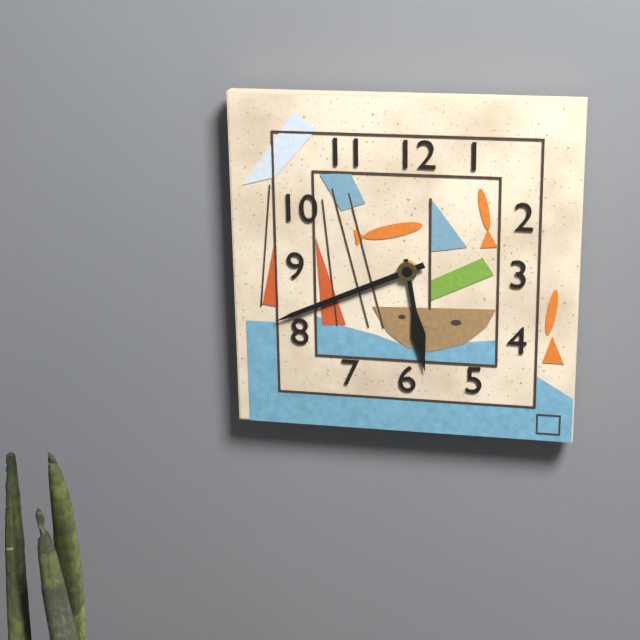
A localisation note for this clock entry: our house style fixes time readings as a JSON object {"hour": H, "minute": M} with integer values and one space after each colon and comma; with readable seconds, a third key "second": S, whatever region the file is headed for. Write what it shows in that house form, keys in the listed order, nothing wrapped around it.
{"hour": 5, "minute": 41}
